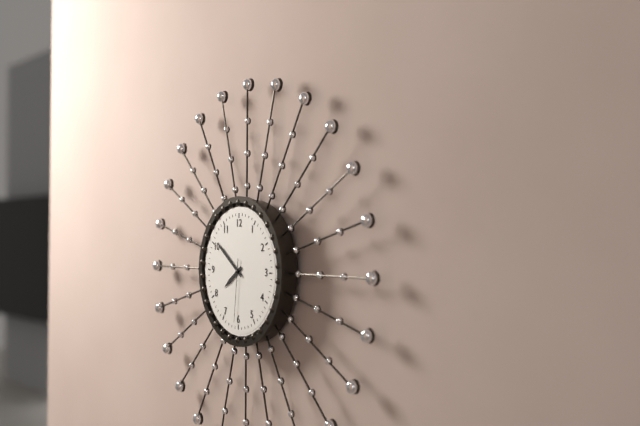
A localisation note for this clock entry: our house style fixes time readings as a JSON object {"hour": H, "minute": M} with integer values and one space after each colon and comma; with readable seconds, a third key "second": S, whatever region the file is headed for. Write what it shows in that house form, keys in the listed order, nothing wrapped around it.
{"hour": 7, "minute": 51, "second": 31}
